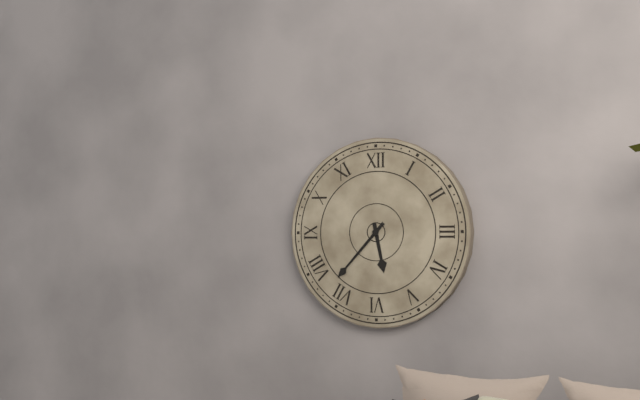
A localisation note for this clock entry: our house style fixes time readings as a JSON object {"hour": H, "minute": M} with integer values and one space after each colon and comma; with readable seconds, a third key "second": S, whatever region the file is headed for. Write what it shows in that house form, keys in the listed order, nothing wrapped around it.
{"hour": 5, "minute": 37}
